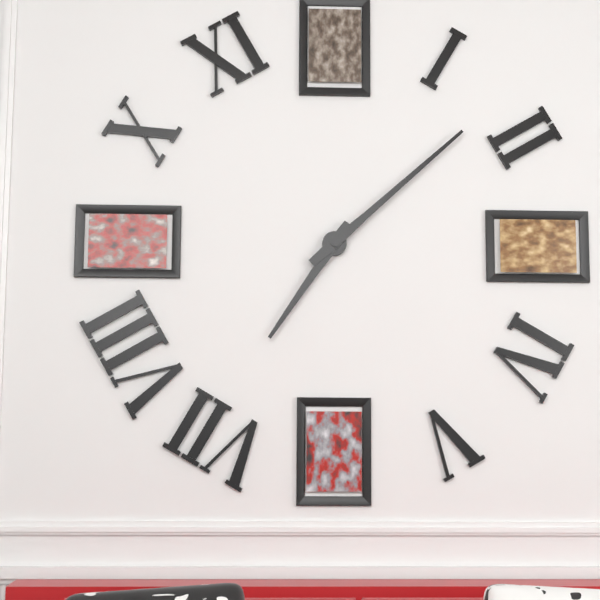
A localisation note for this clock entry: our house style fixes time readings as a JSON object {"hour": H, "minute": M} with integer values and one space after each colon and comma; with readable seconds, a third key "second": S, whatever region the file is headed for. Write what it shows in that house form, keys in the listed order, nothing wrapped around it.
{"hour": 7, "minute": 8}
